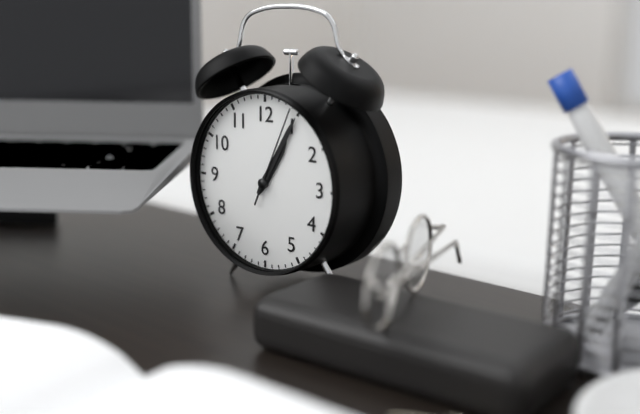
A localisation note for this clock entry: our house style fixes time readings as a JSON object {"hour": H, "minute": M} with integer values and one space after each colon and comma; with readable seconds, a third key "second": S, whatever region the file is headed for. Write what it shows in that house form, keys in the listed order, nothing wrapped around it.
{"hour": 1, "minute": 5, "second": 4}
